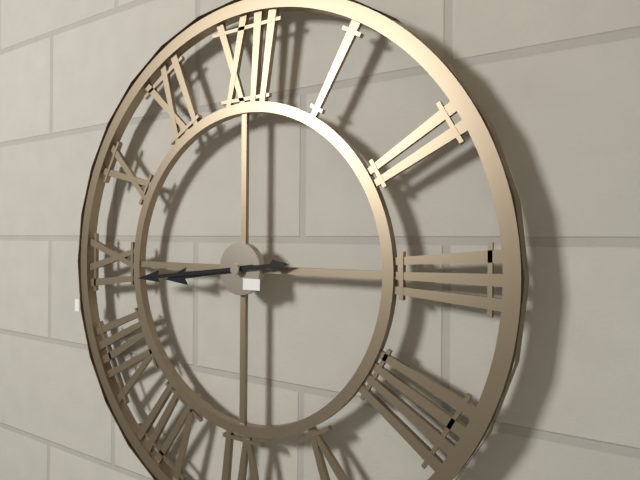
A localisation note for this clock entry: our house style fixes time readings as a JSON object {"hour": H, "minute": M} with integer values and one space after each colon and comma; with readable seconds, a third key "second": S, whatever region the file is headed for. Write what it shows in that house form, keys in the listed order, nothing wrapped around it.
{"hour": 8, "minute": 44}
